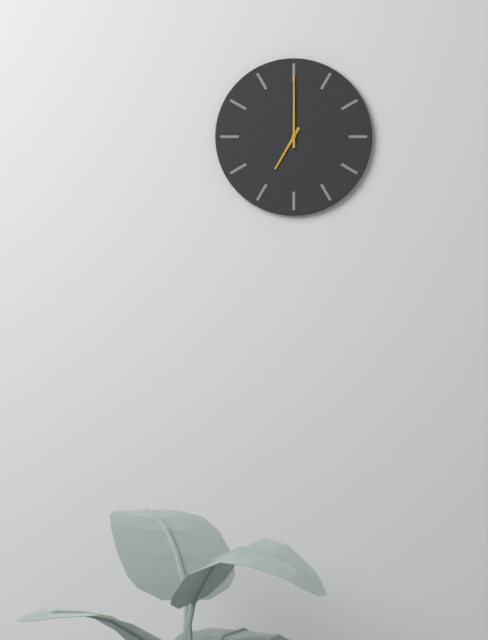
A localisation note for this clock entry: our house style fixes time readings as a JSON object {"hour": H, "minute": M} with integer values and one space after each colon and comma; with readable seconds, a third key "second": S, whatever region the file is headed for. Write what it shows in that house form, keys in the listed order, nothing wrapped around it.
{"hour": 7, "minute": 0}
